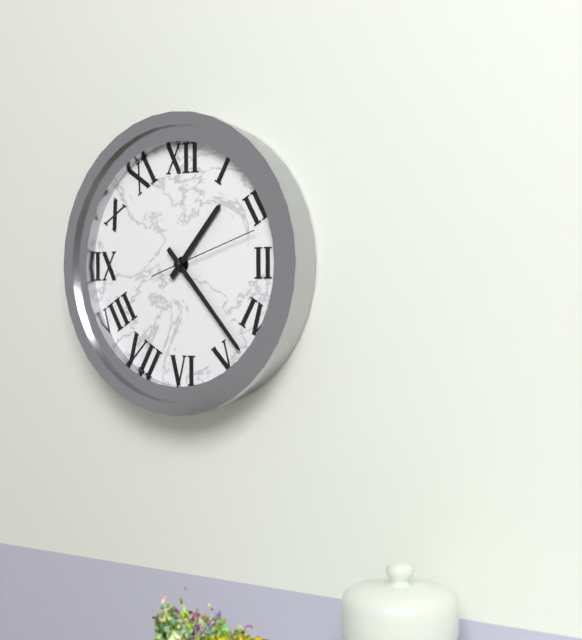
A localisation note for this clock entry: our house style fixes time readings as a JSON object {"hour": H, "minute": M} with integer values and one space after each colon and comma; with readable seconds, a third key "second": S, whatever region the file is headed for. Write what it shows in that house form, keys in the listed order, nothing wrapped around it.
{"hour": 1, "minute": 23, "second": 12}
